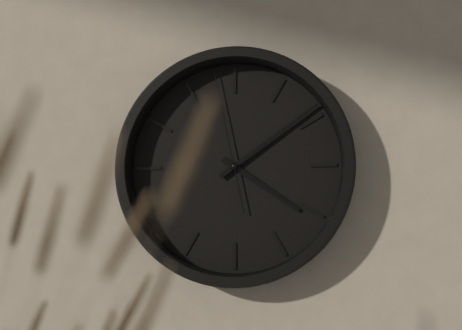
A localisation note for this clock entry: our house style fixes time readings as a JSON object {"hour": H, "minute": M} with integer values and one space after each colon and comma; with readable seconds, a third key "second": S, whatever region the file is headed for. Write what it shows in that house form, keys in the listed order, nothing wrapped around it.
{"hour": 4, "minute": 9, "second": 58}
